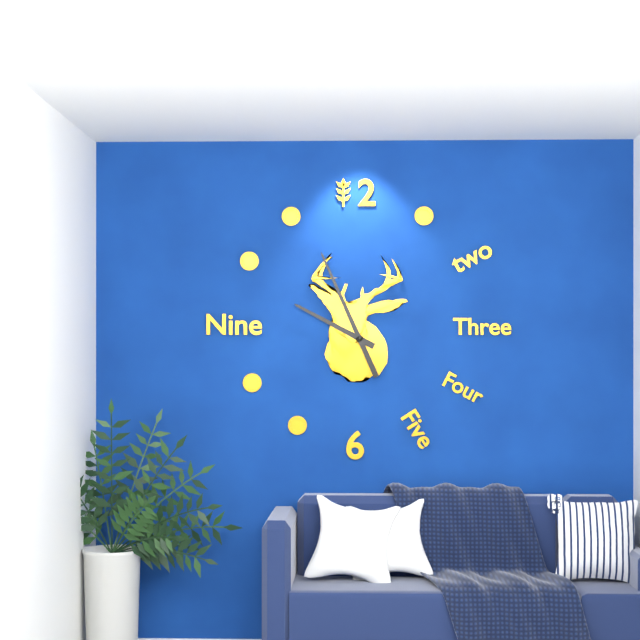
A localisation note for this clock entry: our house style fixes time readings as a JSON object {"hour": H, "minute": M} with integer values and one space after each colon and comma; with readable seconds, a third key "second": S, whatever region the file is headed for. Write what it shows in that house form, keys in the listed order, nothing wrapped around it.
{"hour": 9, "minute": 56}
